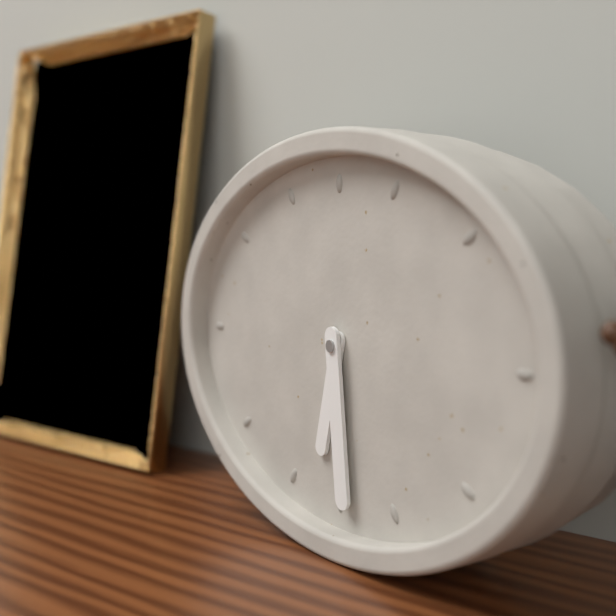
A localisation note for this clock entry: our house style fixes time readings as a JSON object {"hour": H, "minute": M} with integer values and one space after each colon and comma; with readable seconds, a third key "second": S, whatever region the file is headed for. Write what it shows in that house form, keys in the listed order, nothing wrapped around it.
{"hour": 6, "minute": 29}
